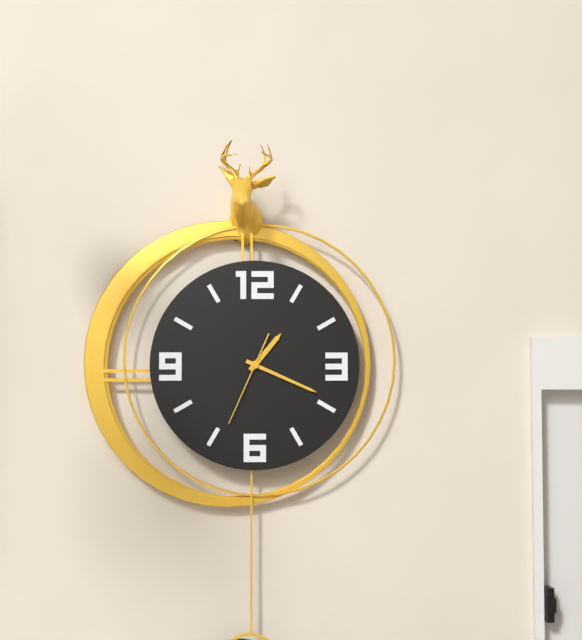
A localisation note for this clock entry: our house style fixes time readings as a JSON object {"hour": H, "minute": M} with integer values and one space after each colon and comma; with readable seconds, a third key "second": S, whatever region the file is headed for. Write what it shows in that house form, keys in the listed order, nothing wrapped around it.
{"hour": 1, "minute": 19, "second": 34}
